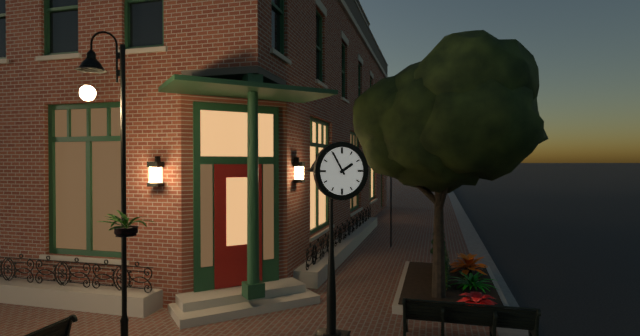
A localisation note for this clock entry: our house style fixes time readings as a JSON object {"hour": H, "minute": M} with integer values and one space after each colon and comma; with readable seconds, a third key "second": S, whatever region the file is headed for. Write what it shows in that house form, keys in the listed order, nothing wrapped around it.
{"hour": 1, "minute": 55}
